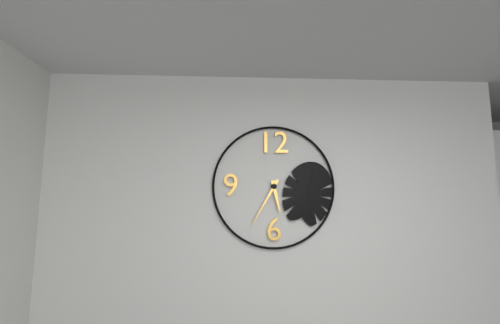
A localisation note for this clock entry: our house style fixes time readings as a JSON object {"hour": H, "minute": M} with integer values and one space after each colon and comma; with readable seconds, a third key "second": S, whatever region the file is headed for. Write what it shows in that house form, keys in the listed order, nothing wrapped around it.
{"hour": 5, "minute": 35}
